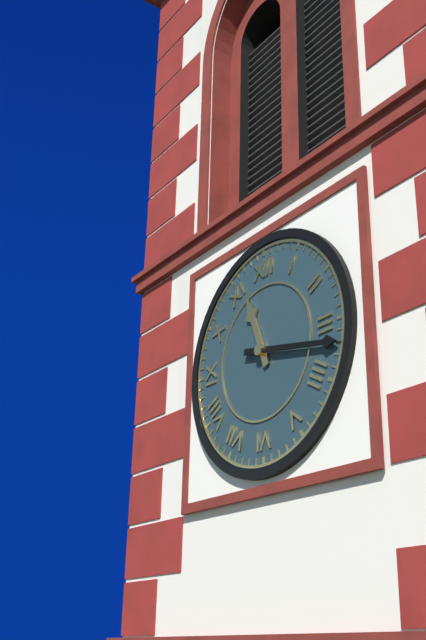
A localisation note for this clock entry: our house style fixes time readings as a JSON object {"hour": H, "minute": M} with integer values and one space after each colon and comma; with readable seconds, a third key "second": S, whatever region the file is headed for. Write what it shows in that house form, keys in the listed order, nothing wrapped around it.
{"hour": 11, "minute": 17}
